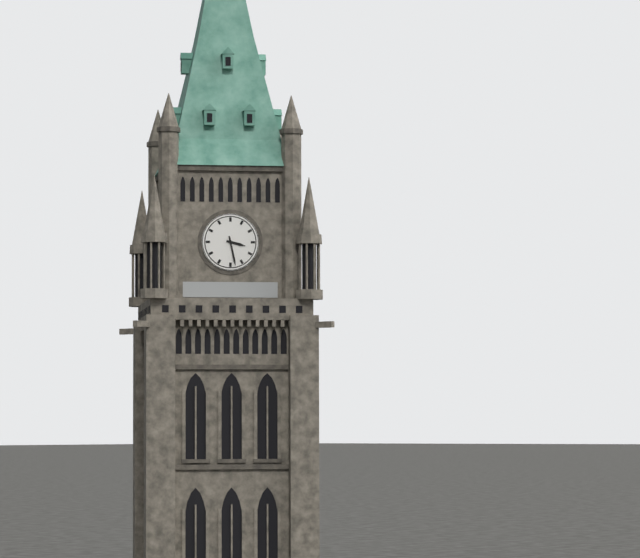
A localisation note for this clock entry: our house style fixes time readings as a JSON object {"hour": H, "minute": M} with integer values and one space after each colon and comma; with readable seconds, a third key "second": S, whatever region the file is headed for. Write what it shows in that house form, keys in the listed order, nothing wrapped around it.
{"hour": 3, "minute": 28}
